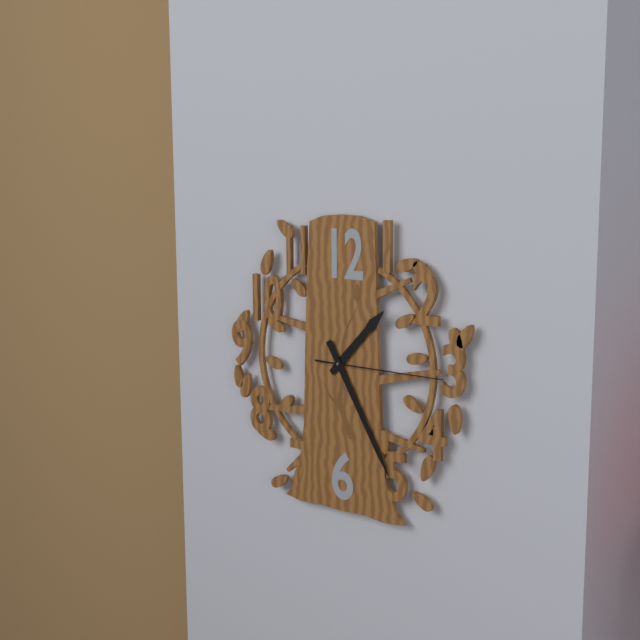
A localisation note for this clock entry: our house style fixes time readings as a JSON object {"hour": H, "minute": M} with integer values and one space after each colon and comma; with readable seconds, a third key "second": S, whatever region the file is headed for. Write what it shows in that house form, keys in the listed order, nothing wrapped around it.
{"hour": 1, "minute": 25, "second": 15}
